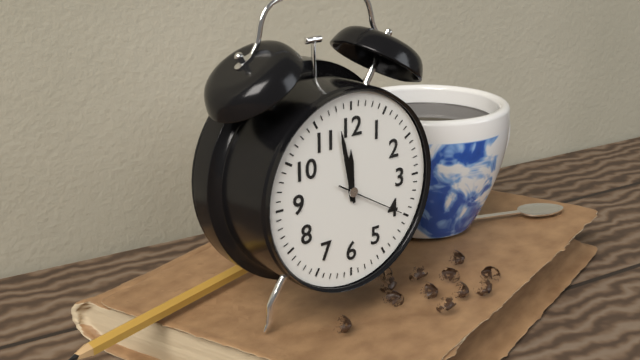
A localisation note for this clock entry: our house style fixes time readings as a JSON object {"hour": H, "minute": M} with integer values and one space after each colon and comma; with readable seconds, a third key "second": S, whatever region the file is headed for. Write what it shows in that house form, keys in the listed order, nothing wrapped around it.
{"hour": 11, "minute": 58, "second": 20}
